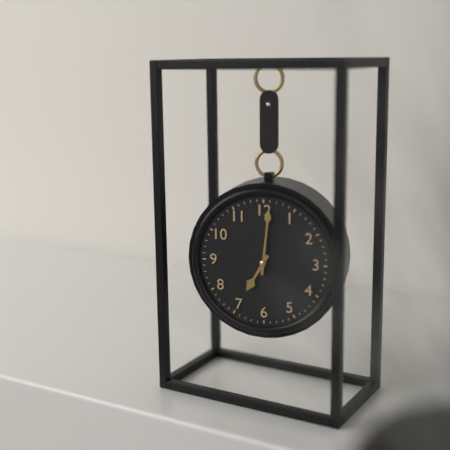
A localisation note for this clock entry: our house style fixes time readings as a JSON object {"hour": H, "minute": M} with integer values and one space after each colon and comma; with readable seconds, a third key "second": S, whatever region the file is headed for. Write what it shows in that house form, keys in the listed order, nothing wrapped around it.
{"hour": 7, "minute": 1}
